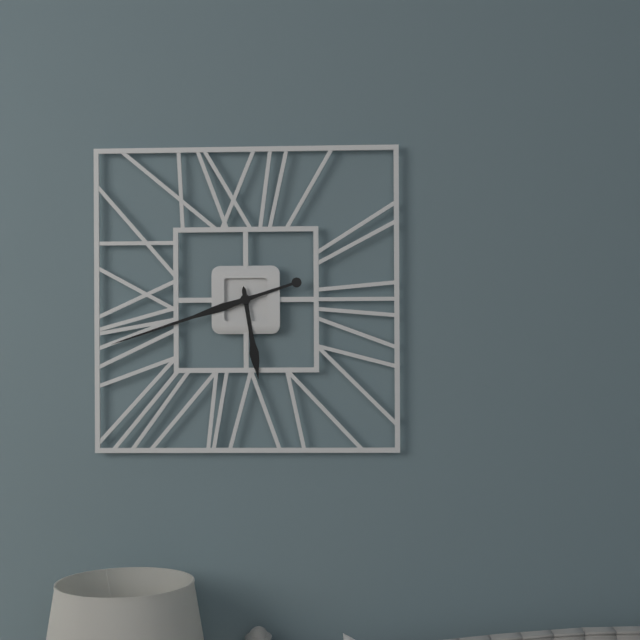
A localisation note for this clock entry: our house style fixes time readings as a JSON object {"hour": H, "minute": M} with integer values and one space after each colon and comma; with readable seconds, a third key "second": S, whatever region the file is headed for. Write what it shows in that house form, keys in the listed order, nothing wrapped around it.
{"hour": 5, "minute": 42}
